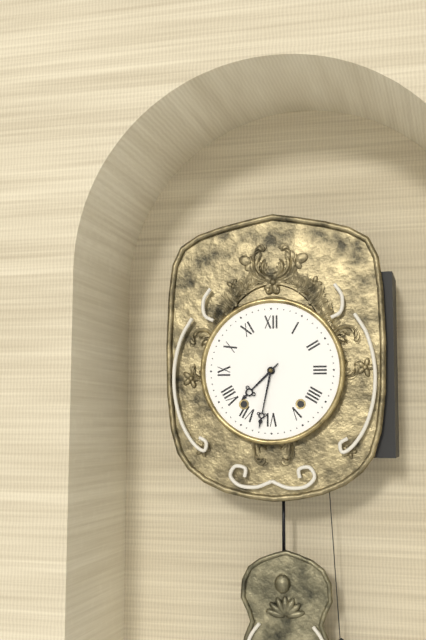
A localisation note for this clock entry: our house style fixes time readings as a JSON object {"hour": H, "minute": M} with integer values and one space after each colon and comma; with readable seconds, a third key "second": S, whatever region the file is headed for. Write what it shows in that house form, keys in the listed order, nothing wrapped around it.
{"hour": 7, "minute": 32}
